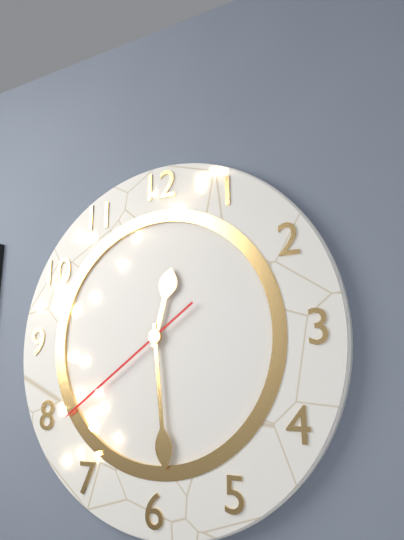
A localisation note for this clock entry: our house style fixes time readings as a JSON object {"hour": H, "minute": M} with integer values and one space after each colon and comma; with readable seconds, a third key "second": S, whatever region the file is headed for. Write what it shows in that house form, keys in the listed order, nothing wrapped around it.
{"hour": 12, "minute": 29, "second": 39}
